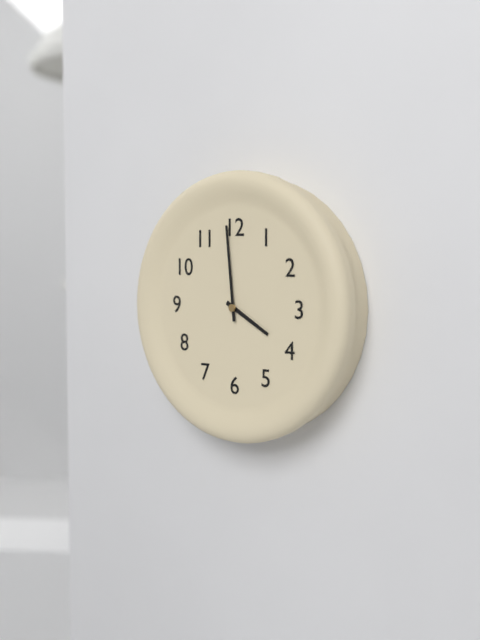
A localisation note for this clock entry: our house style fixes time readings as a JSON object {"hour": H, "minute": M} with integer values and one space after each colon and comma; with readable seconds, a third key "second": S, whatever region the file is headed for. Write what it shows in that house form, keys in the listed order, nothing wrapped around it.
{"hour": 3, "minute": 59}
